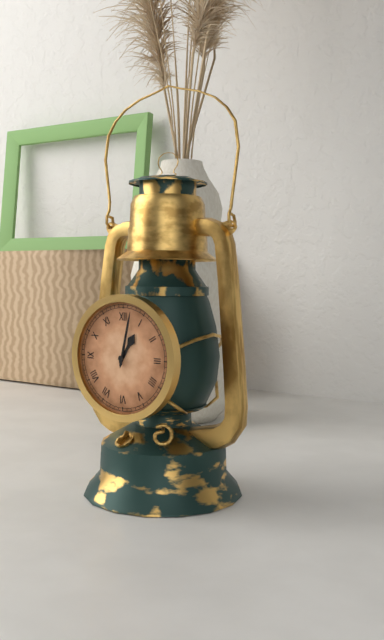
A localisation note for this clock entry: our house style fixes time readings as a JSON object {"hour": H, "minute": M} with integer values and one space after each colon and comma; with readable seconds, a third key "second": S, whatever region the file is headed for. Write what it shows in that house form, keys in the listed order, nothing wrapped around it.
{"hour": 1, "minute": 2}
